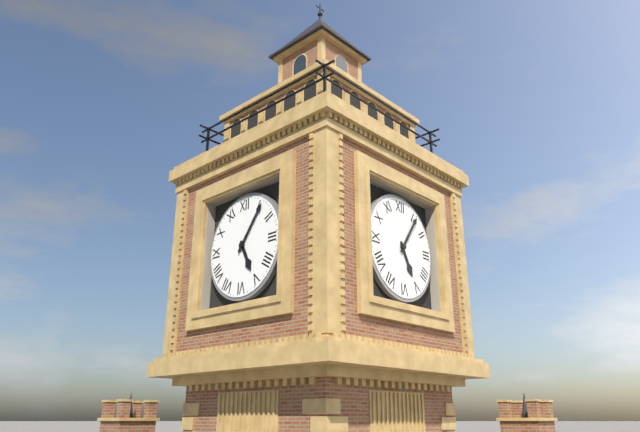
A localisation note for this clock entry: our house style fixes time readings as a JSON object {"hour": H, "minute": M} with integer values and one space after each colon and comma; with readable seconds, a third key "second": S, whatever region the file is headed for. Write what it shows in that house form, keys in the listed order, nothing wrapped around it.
{"hour": 5, "minute": 6}
